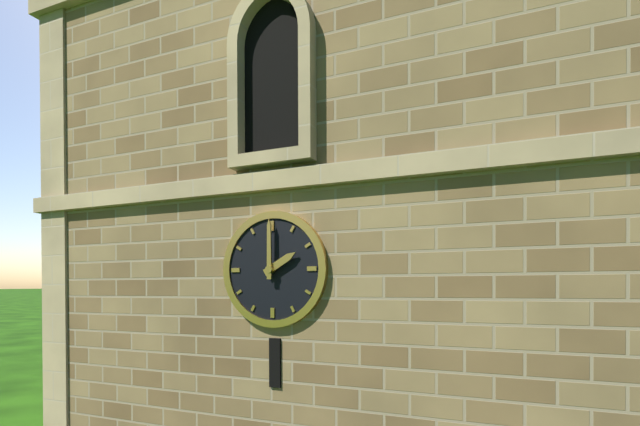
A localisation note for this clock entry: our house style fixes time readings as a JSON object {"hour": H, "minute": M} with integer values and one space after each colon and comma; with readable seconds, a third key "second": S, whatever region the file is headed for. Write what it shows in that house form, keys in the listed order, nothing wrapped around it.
{"hour": 2, "minute": 0}
